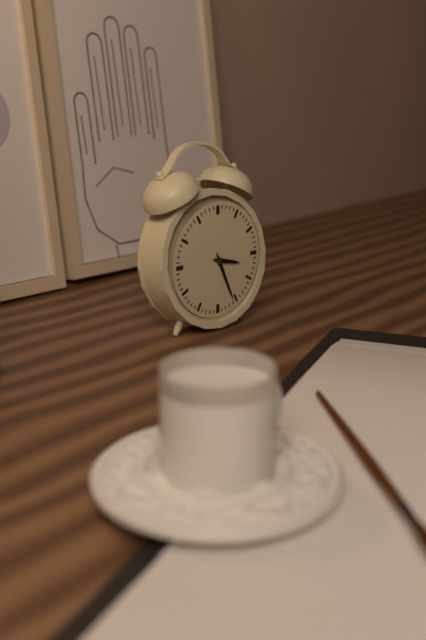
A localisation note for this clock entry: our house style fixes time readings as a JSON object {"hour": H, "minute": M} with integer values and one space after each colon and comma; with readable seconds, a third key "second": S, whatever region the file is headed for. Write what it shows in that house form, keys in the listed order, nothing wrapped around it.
{"hour": 3, "minute": 26}
